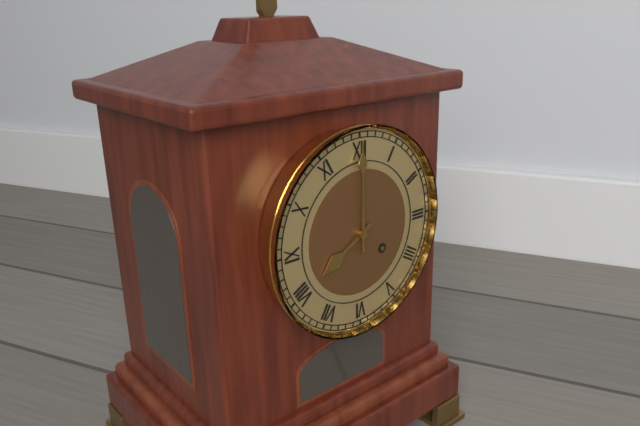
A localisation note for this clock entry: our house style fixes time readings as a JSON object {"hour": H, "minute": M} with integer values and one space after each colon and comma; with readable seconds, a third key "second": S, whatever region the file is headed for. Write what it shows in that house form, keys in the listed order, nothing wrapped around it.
{"hour": 8, "minute": 0}
